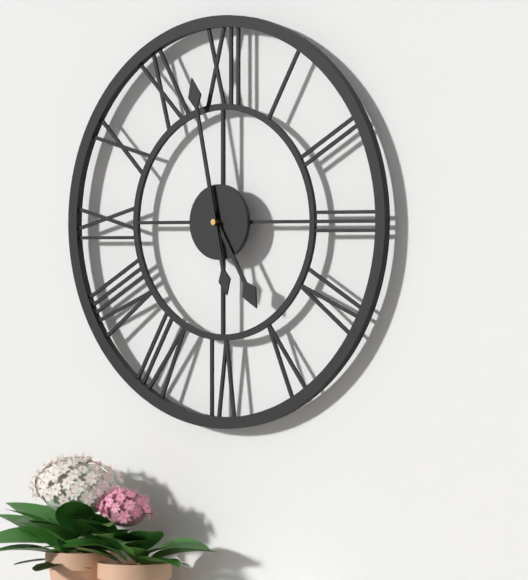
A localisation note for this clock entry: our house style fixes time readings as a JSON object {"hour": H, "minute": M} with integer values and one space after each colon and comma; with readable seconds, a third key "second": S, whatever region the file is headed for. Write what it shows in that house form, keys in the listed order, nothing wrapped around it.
{"hour": 4, "minute": 58}
